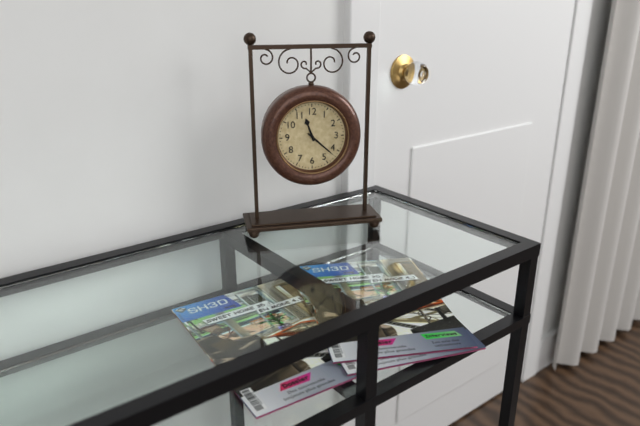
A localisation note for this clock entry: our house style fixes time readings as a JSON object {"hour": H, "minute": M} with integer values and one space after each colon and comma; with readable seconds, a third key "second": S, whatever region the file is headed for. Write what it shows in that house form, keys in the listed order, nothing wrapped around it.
{"hour": 11, "minute": 22}
